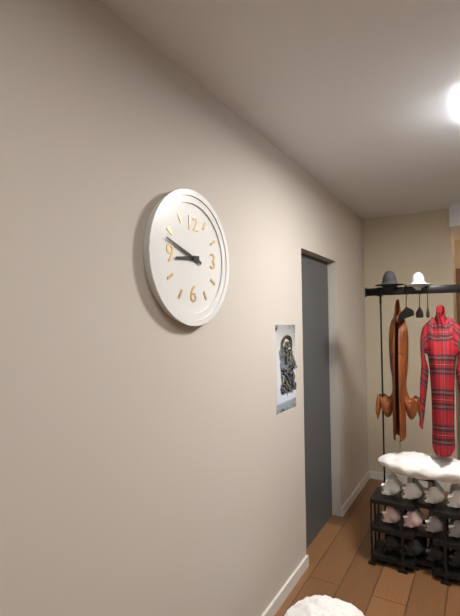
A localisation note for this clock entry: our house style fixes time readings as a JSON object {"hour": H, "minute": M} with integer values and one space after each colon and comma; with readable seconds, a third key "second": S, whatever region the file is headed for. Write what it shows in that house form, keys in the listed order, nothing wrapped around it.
{"hour": 8, "minute": 48}
